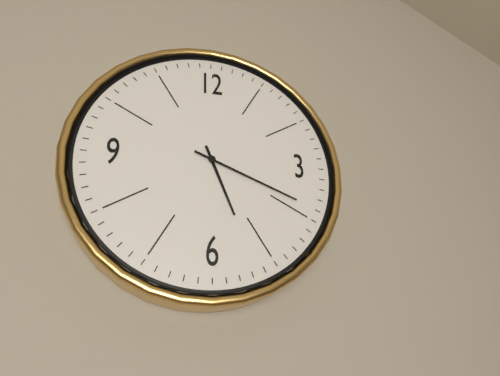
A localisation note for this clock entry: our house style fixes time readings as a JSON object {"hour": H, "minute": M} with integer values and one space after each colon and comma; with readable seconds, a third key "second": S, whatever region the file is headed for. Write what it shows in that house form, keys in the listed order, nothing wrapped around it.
{"hour": 5, "minute": 19}
